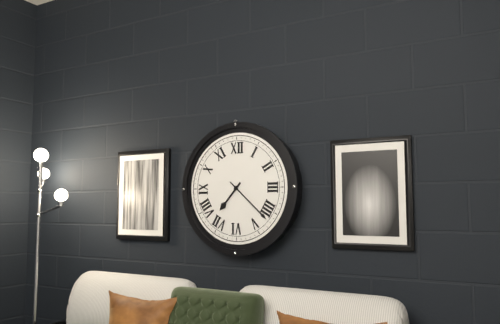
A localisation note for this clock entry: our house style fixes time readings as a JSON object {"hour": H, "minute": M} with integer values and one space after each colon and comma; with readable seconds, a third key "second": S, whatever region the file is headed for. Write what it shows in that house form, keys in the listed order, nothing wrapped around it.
{"hour": 7, "minute": 22}
